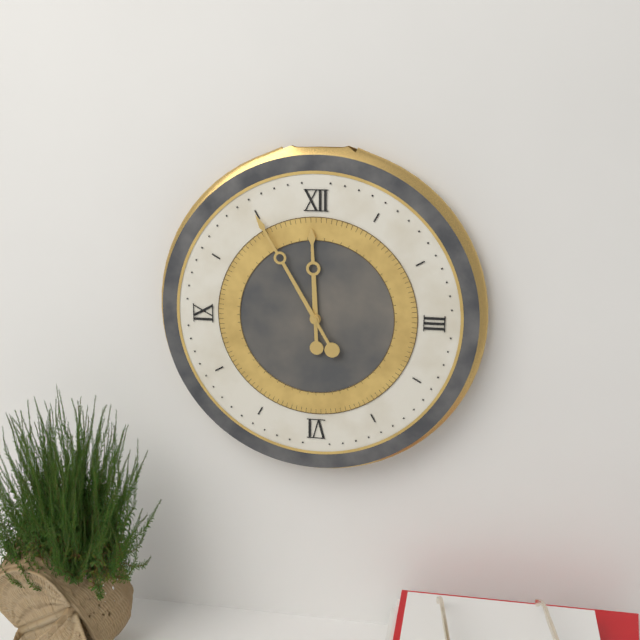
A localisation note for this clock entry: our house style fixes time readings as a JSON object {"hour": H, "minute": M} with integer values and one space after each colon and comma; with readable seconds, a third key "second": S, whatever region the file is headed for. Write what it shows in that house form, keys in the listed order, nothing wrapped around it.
{"hour": 11, "minute": 55}
